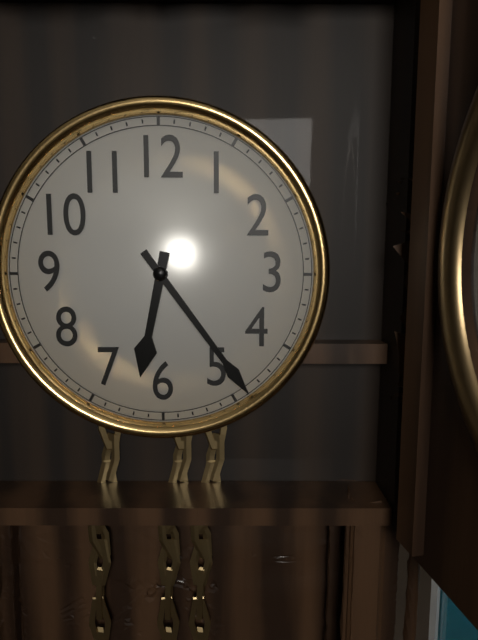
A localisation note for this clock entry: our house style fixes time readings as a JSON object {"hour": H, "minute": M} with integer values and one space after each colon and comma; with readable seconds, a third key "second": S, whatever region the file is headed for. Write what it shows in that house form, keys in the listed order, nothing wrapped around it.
{"hour": 6, "minute": 24}
